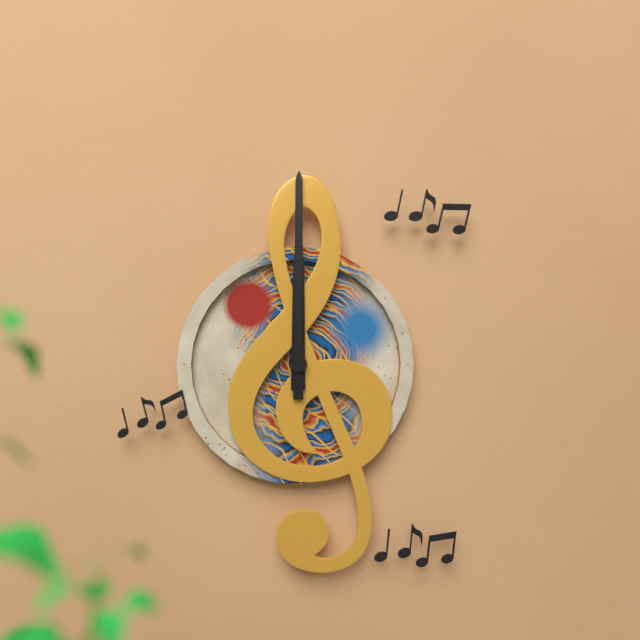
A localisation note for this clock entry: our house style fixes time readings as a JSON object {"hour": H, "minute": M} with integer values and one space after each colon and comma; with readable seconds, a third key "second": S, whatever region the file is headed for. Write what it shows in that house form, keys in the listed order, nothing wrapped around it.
{"hour": 12, "minute": 0}
